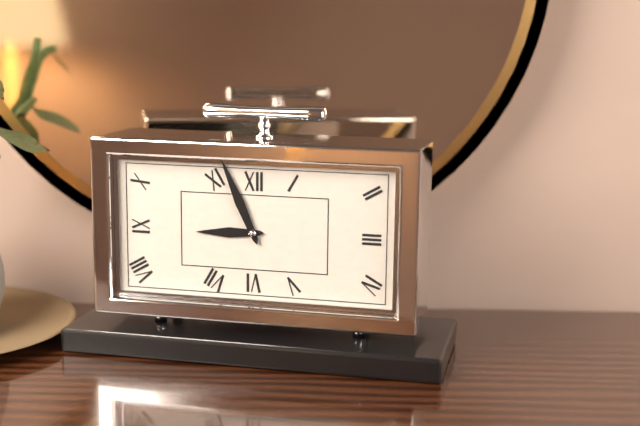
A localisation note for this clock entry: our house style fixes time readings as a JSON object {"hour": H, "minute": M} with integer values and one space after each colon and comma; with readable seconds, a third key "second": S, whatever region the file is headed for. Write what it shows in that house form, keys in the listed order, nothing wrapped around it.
{"hour": 8, "minute": 56}
